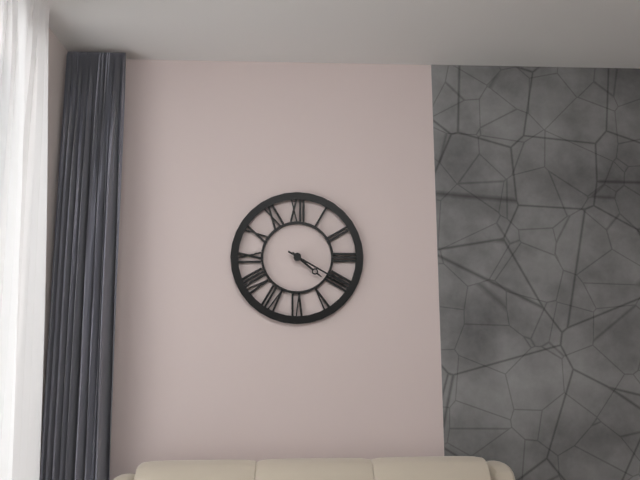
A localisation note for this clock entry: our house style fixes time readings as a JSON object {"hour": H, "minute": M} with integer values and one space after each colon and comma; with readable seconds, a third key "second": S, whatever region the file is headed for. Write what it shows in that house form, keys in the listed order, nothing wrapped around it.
{"hour": 4, "minute": 20}
